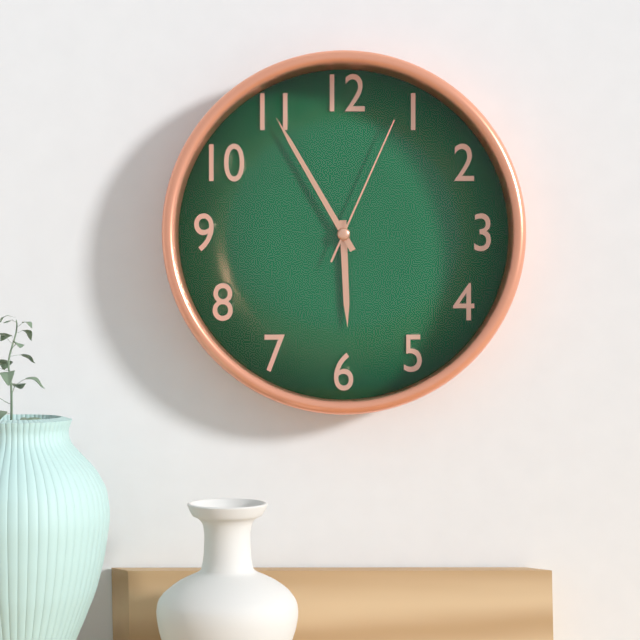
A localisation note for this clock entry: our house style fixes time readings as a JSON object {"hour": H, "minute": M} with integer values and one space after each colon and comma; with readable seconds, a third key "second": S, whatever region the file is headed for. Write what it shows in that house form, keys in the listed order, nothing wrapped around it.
{"hour": 5, "minute": 55, "second": 4}
